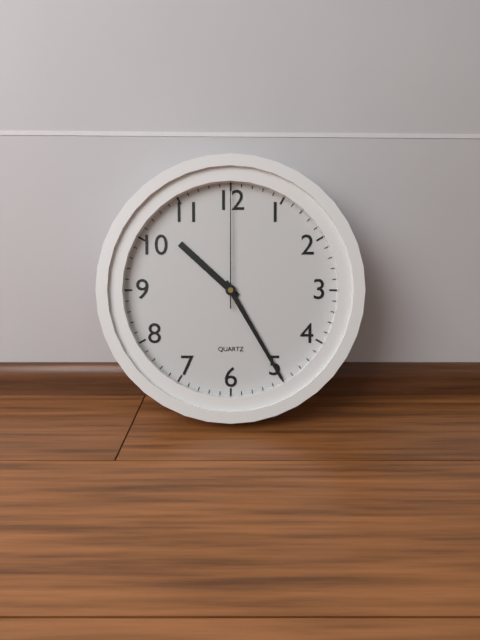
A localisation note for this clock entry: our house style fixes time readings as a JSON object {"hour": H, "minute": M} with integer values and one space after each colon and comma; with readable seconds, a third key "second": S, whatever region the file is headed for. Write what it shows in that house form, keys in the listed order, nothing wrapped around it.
{"hour": 10, "minute": 25, "second": 0}
